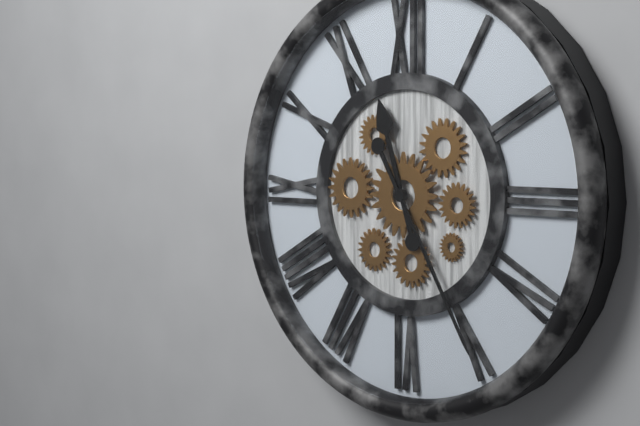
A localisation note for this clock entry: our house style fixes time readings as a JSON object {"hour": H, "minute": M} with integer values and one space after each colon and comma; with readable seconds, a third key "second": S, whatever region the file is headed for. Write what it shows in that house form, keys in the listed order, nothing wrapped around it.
{"hour": 11, "minute": 25}
